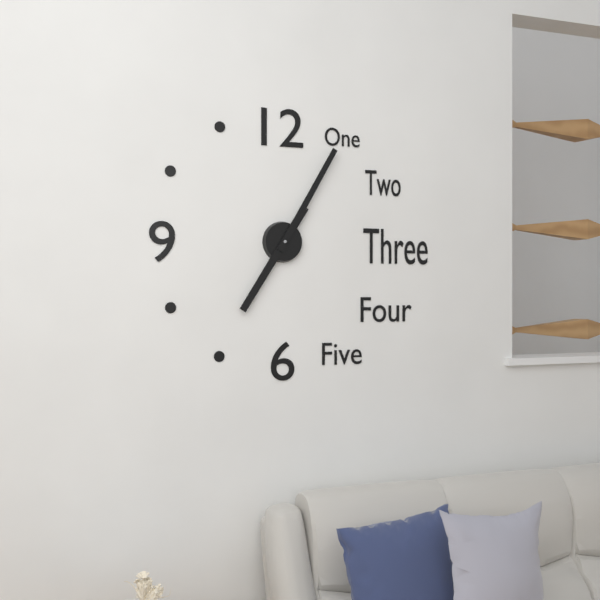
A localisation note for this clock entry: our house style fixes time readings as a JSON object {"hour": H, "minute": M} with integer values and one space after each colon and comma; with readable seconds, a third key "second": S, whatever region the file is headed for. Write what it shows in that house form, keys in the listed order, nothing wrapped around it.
{"hour": 7, "minute": 5}
